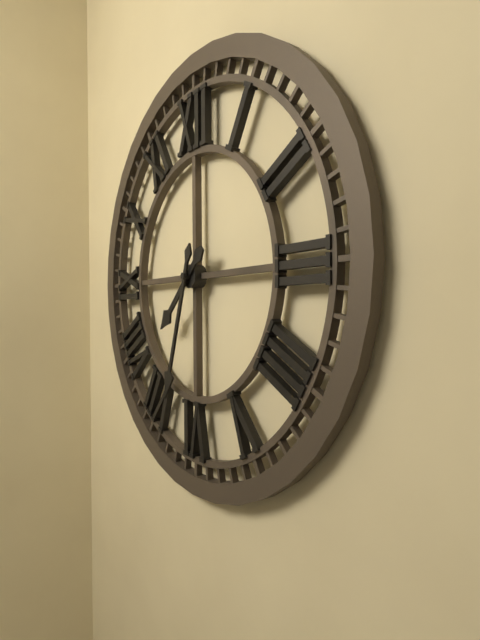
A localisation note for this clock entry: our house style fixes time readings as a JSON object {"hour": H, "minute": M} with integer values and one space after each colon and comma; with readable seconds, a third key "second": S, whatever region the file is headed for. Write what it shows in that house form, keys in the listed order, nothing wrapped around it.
{"hour": 7, "minute": 33}
